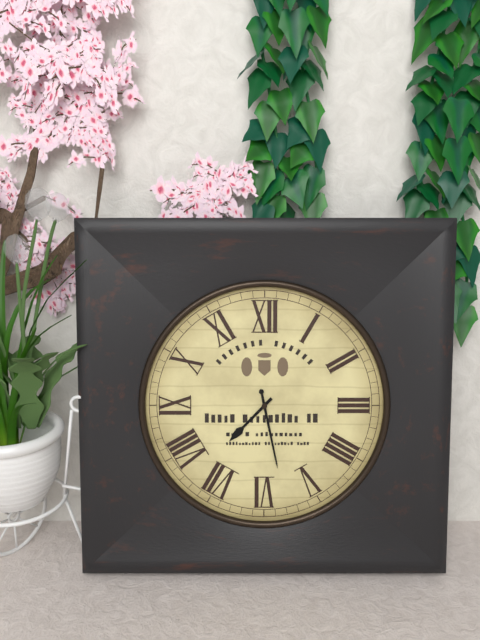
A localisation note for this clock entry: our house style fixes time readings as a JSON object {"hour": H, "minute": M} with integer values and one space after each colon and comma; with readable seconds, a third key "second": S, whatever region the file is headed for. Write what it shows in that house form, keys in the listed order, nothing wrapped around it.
{"hour": 7, "minute": 28}
